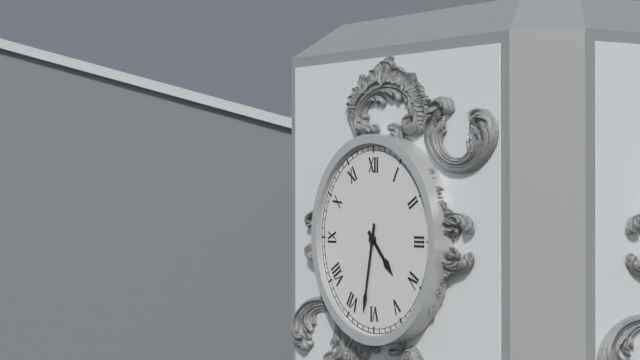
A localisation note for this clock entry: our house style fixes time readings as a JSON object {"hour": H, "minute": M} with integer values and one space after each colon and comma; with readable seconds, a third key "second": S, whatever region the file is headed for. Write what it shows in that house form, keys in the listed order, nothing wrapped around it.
{"hour": 4, "minute": 32}
